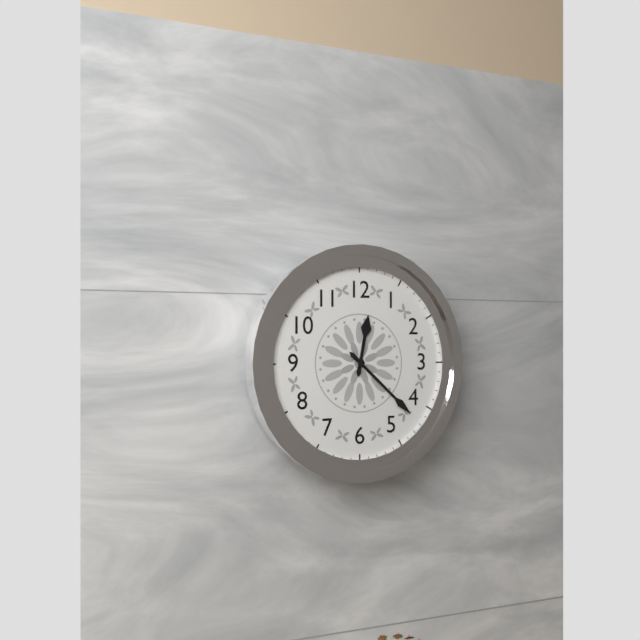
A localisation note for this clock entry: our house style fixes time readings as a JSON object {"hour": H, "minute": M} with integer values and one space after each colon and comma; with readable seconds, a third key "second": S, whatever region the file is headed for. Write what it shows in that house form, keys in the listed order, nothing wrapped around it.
{"hour": 12, "minute": 22}
